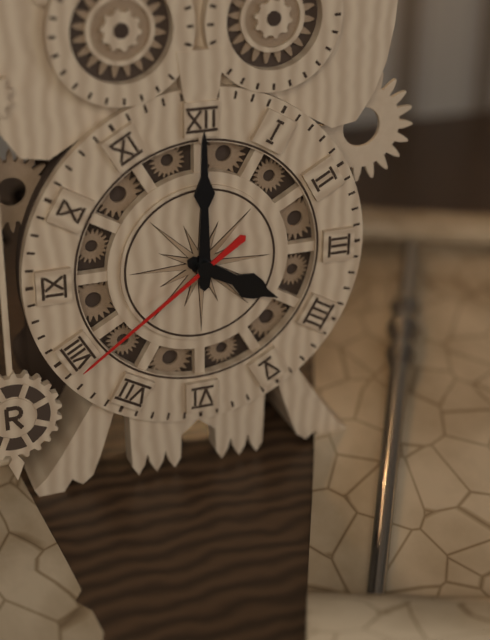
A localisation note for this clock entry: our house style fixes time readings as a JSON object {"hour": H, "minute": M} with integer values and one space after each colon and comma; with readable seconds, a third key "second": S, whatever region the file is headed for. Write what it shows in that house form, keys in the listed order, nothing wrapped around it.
{"hour": 4, "minute": 0, "second": 39}
